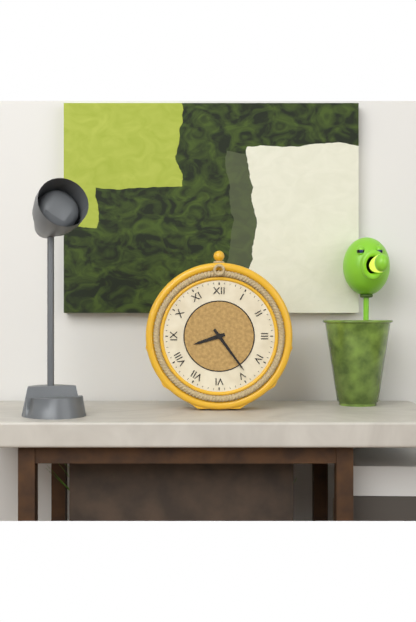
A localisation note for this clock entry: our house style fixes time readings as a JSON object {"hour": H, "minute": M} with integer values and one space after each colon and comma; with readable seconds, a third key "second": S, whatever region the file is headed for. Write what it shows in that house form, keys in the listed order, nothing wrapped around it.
{"hour": 8, "minute": 24}
